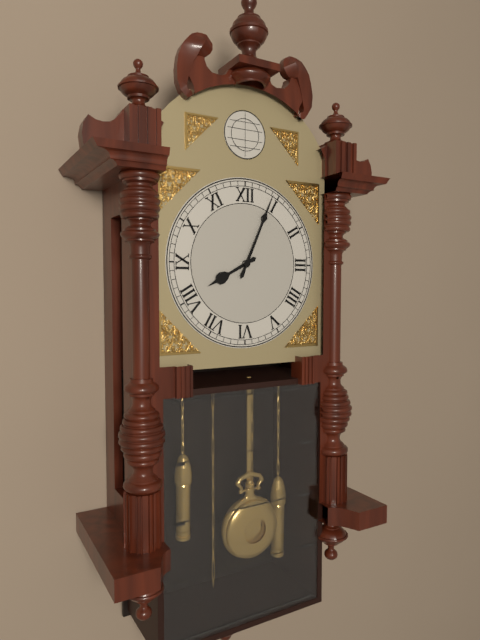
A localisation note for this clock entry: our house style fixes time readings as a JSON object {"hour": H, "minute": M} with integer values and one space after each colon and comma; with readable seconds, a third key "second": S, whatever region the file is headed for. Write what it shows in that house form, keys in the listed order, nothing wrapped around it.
{"hour": 8, "minute": 4}
